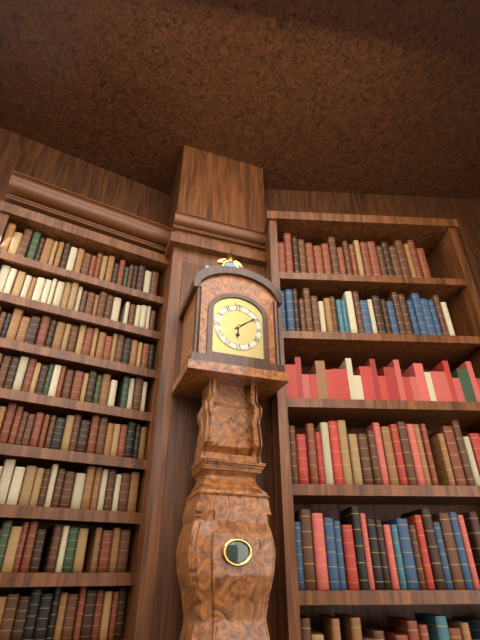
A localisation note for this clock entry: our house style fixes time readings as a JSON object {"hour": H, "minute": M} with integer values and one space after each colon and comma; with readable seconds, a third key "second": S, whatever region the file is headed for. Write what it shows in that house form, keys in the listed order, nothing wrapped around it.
{"hour": 6, "minute": 9}
